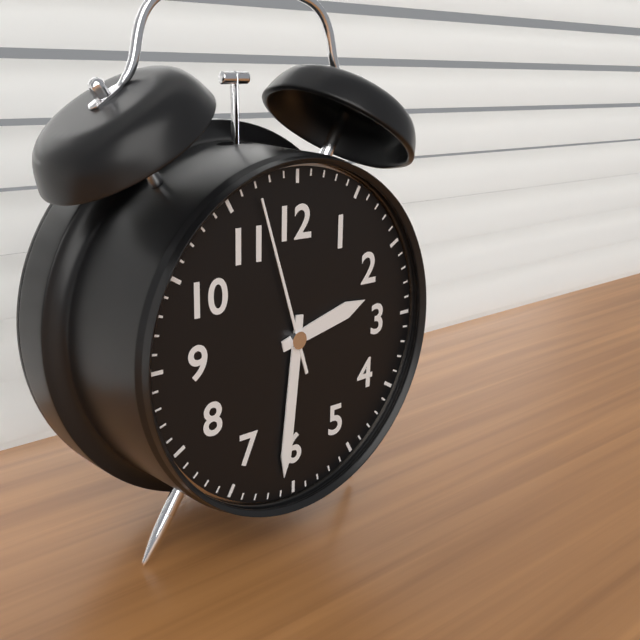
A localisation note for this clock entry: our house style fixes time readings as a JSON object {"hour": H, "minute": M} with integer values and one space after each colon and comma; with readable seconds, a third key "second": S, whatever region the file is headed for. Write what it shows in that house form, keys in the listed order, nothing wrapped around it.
{"hour": 2, "minute": 31, "second": 57}
